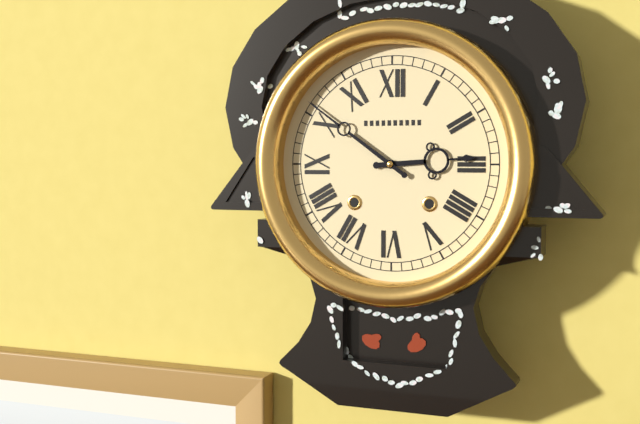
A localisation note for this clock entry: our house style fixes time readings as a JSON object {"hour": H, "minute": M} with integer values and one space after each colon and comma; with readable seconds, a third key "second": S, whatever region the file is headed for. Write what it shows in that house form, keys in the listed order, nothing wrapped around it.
{"hour": 2, "minute": 51}
